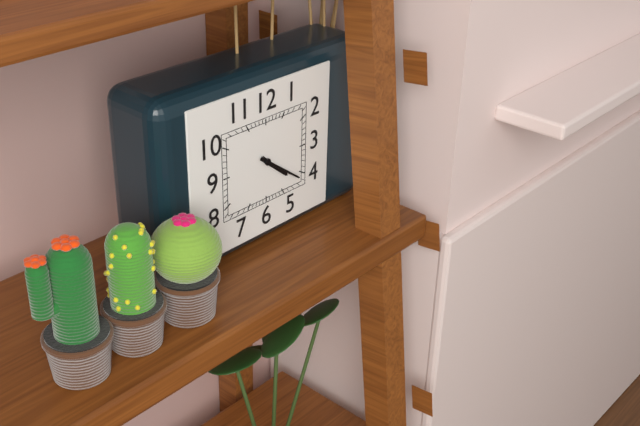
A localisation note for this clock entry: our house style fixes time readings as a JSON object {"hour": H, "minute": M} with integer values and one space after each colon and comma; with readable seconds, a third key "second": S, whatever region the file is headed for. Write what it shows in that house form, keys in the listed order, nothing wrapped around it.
{"hour": 4, "minute": 21}
